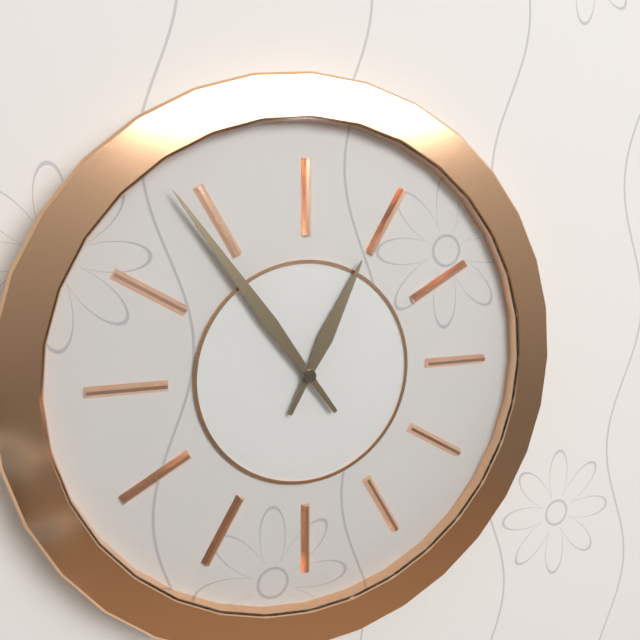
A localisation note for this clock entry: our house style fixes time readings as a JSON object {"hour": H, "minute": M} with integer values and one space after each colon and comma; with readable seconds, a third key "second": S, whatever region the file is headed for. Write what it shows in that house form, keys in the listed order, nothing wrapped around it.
{"hour": 12, "minute": 54}
